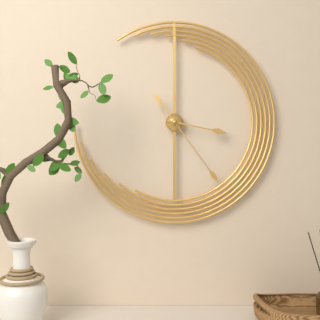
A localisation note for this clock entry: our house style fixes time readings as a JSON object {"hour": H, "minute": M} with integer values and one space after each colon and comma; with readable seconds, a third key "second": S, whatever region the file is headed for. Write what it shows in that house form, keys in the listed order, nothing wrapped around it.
{"hour": 3, "minute": 24}
